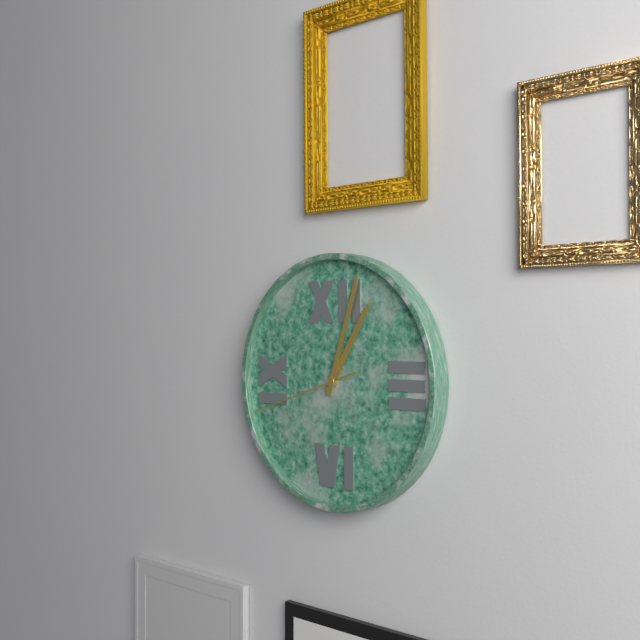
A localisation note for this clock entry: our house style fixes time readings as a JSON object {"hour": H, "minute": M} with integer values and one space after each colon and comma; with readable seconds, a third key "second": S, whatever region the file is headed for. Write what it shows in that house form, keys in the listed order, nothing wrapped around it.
{"hour": 1, "minute": 3, "second": 42}
